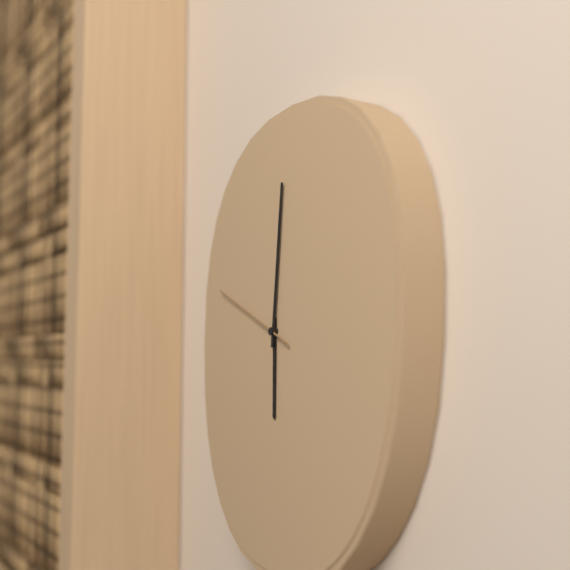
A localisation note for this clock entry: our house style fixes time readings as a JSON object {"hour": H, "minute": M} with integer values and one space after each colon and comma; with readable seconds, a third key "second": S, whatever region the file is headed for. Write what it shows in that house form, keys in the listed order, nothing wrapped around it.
{"hour": 6, "minute": 1, "second": 49}
